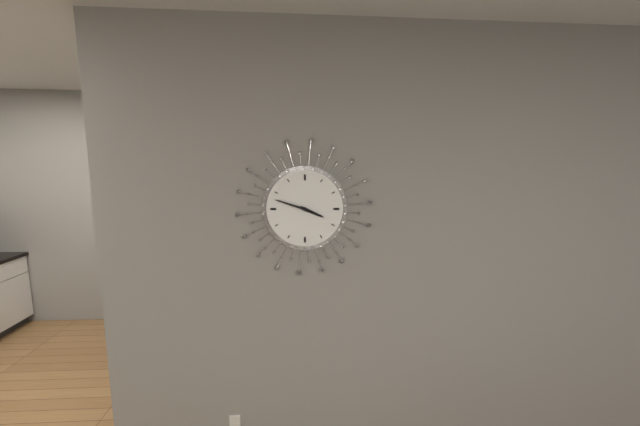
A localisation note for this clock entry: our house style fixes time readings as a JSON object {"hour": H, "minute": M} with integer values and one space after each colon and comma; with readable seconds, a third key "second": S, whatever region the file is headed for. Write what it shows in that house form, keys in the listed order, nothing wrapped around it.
{"hour": 3, "minute": 48}
